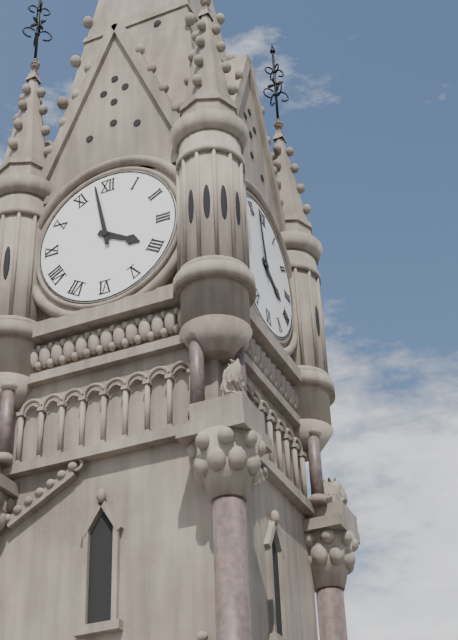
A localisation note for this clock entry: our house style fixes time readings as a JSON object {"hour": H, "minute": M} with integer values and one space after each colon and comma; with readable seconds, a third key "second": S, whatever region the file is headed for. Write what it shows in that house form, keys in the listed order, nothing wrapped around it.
{"hour": 3, "minute": 58}
